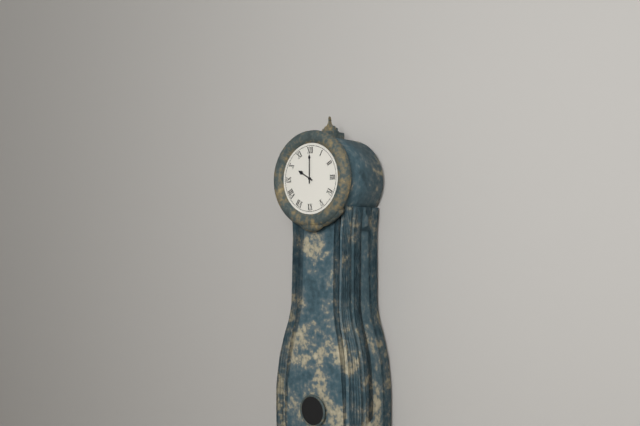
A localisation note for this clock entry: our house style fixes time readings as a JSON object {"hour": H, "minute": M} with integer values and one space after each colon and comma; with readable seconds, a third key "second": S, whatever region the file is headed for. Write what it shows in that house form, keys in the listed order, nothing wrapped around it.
{"hour": 10, "minute": 0}
